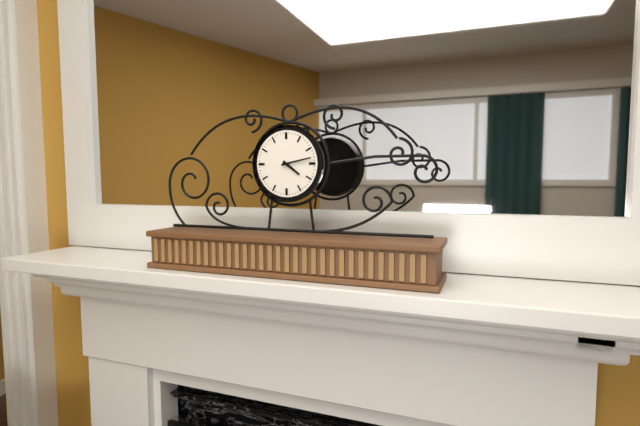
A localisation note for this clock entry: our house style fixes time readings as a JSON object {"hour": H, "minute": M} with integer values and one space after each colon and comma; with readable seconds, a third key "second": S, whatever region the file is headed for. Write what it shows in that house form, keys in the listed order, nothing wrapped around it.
{"hour": 4, "minute": 13}
